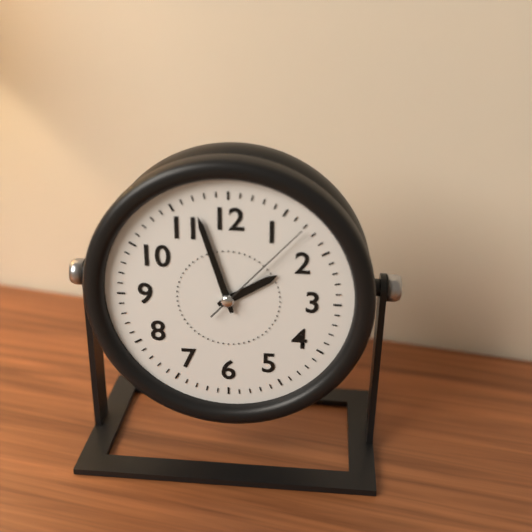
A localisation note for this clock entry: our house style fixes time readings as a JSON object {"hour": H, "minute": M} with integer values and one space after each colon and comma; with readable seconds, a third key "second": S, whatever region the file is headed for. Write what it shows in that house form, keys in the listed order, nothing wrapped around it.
{"hour": 1, "minute": 57, "second": 7}
